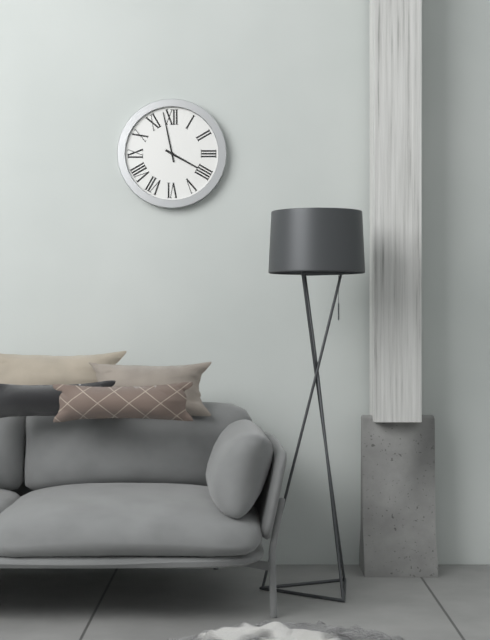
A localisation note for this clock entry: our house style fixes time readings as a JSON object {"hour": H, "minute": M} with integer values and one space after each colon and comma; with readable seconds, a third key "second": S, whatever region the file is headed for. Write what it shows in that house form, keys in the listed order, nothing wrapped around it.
{"hour": 3, "minute": 58}
